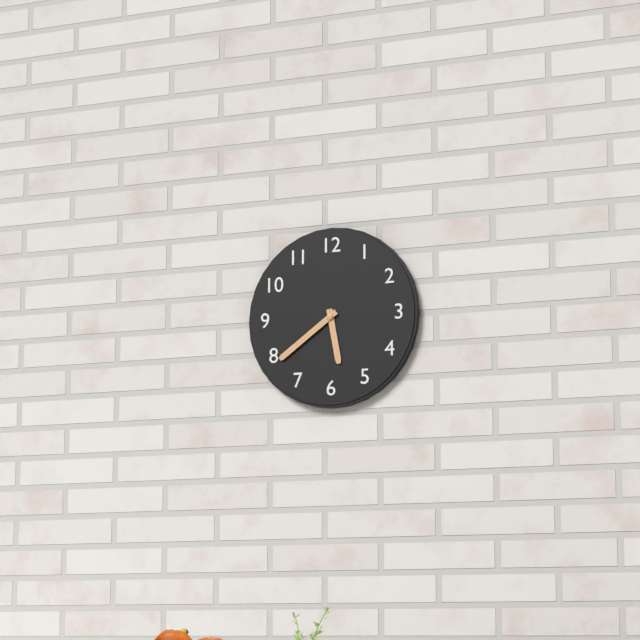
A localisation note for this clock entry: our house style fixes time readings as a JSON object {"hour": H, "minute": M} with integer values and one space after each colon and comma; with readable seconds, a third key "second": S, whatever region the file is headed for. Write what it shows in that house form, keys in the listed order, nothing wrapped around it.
{"hour": 5, "minute": 39}
